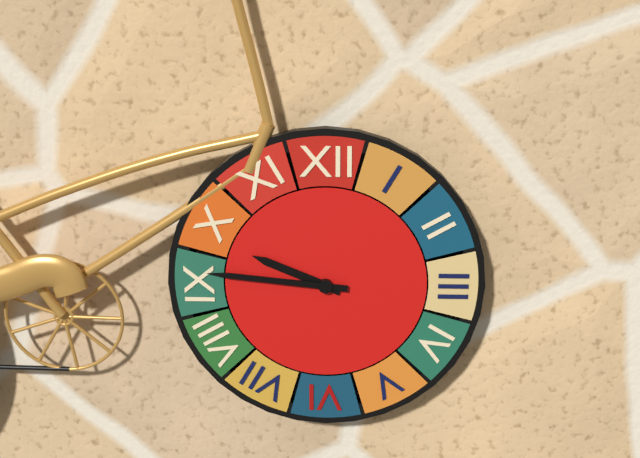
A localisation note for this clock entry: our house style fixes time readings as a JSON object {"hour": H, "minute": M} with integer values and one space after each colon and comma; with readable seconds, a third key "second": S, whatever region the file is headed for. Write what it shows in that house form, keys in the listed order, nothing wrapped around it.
{"hour": 9, "minute": 46}
